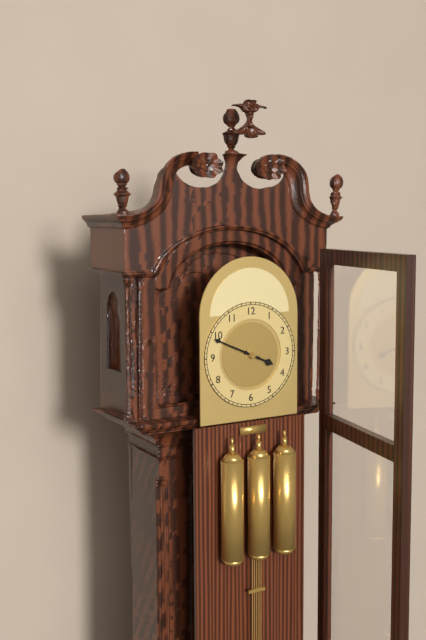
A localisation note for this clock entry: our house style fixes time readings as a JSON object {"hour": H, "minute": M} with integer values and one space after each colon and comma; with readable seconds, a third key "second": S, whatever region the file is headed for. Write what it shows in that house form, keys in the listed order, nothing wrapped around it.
{"hour": 3, "minute": 49}
